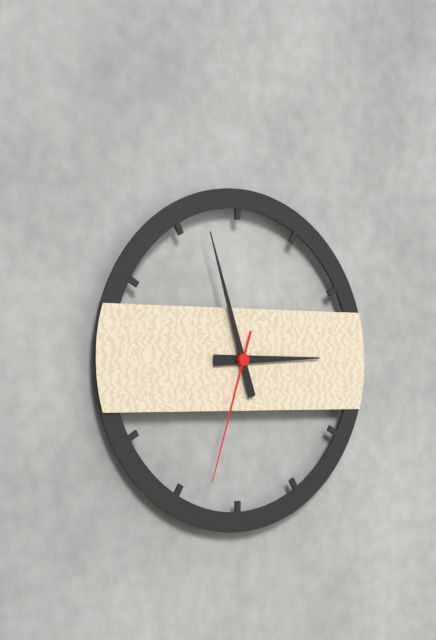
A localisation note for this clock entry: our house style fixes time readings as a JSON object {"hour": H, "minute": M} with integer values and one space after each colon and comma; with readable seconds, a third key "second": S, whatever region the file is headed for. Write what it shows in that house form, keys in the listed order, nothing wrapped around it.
{"hour": 2, "minute": 57, "second": 33}
